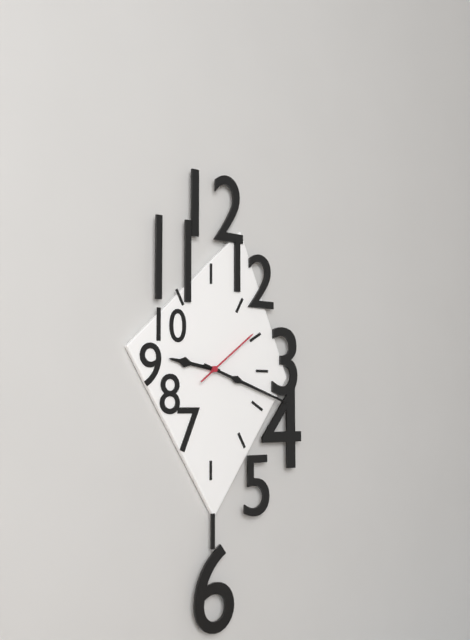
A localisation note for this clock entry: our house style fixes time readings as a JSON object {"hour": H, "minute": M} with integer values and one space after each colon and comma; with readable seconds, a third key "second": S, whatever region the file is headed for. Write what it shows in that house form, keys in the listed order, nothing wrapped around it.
{"hour": 9, "minute": 18, "second": 9}
